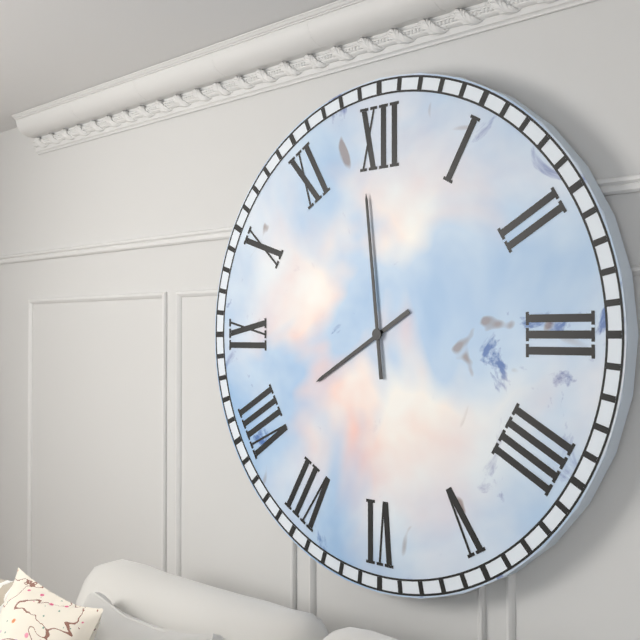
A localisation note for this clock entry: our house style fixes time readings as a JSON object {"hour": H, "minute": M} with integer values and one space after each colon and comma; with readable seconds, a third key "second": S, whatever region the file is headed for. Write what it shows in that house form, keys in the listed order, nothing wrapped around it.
{"hour": 7, "minute": 59}
